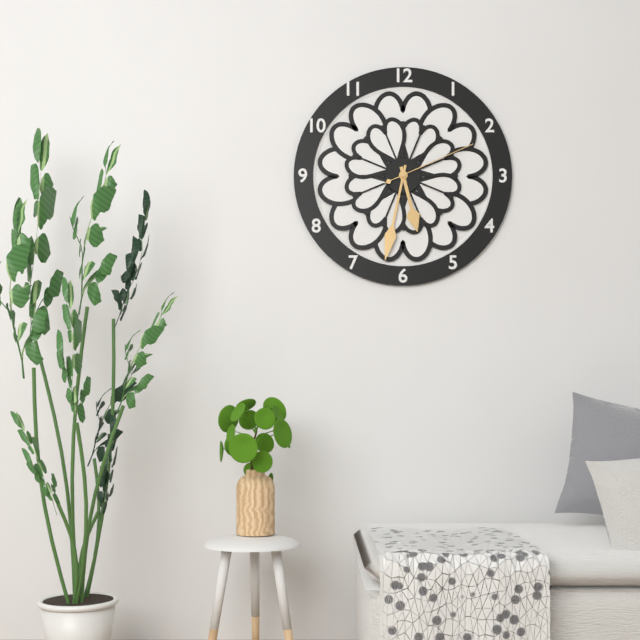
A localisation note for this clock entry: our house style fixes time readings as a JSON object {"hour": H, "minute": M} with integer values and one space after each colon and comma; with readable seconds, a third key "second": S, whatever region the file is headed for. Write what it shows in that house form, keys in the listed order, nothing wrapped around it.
{"hour": 5, "minute": 32, "second": 11}
